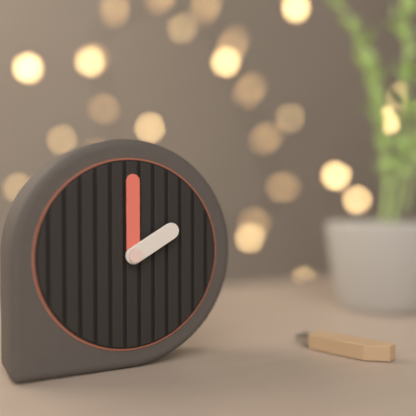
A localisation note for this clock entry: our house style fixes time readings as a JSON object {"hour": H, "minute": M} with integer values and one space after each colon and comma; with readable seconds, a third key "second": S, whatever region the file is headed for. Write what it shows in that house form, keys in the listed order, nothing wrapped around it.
{"hour": 2, "minute": 0}
